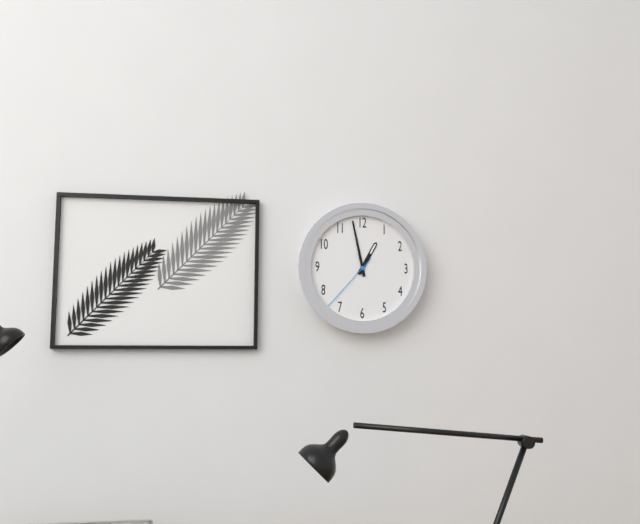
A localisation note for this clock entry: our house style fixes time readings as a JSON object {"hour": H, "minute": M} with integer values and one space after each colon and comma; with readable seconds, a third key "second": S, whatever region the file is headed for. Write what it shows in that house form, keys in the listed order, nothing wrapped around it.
{"hour": 12, "minute": 58, "second": 37}
